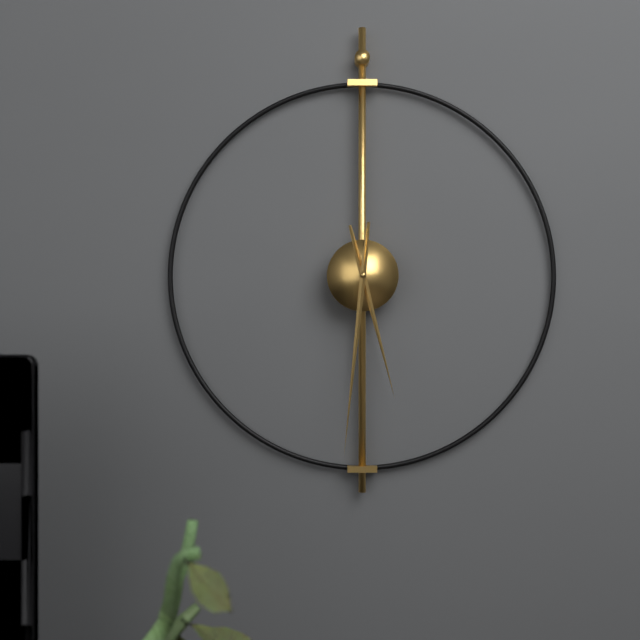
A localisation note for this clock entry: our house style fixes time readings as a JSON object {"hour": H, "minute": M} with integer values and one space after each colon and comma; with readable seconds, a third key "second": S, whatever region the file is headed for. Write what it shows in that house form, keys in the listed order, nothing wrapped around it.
{"hour": 5, "minute": 31}
